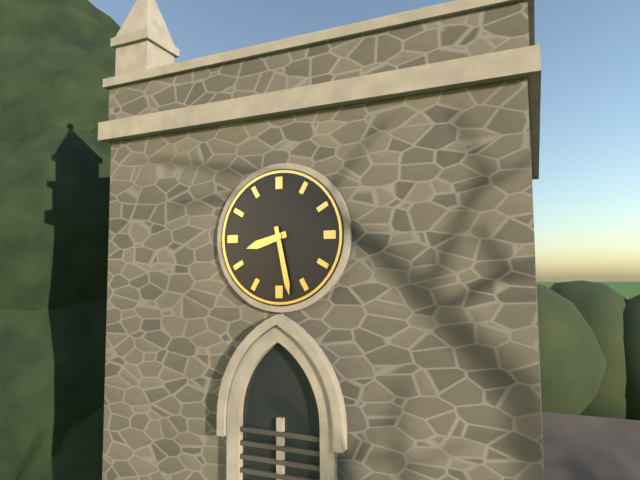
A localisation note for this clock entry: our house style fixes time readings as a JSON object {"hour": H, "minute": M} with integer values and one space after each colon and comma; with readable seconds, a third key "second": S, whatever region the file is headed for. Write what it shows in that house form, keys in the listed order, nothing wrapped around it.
{"hour": 8, "minute": 28}
